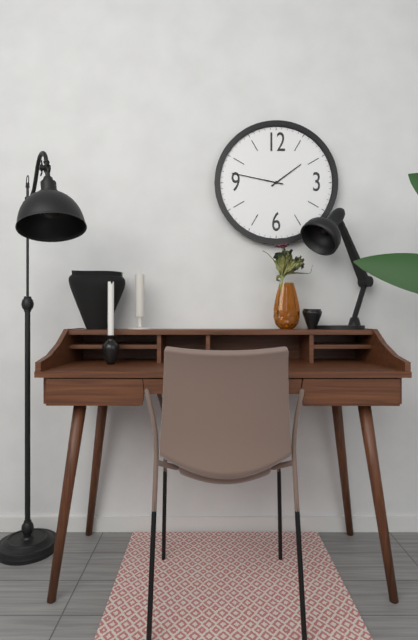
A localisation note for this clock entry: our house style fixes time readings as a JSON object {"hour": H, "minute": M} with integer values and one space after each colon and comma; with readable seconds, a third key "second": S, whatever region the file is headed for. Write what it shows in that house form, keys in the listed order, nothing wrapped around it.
{"hour": 1, "minute": 47}
